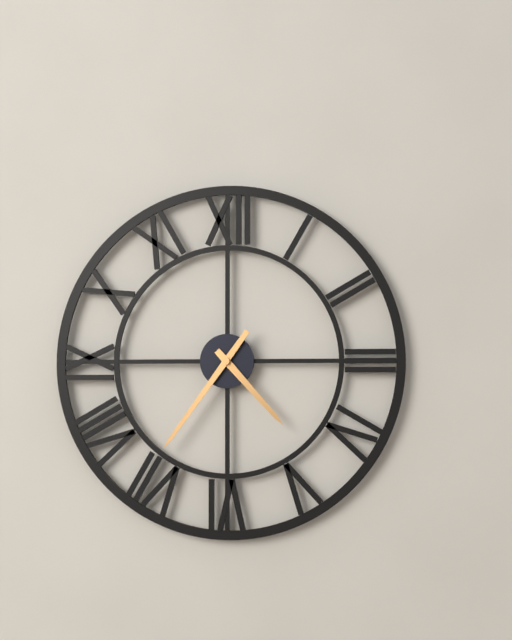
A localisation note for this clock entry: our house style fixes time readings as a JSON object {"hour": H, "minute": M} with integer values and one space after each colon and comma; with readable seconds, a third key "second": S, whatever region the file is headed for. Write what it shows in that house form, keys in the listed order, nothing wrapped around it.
{"hour": 4, "minute": 36}
